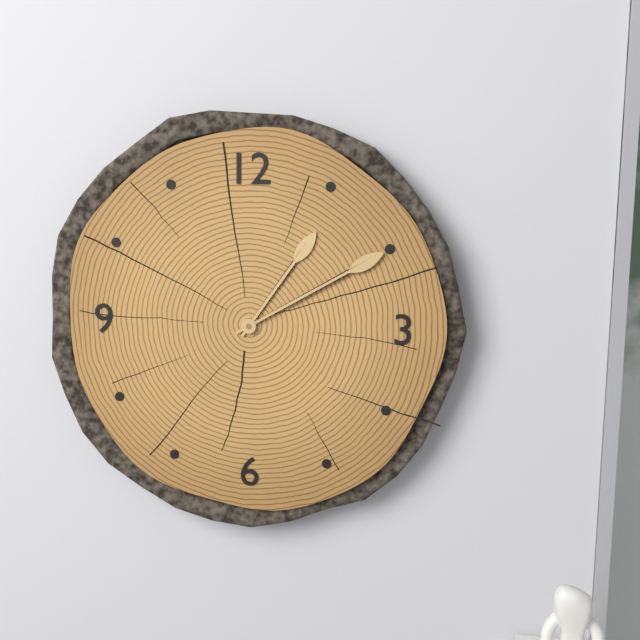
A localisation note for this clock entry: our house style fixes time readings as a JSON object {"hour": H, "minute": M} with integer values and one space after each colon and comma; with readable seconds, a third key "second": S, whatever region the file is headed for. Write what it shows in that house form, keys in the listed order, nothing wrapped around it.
{"hour": 1, "minute": 10}
